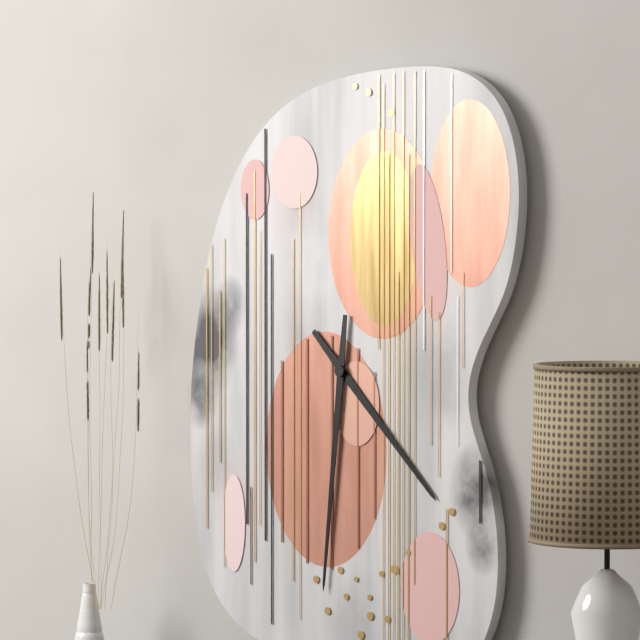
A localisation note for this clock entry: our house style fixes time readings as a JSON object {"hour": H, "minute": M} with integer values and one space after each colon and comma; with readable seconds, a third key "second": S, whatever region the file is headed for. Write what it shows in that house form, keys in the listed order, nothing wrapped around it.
{"hour": 4, "minute": 31}
